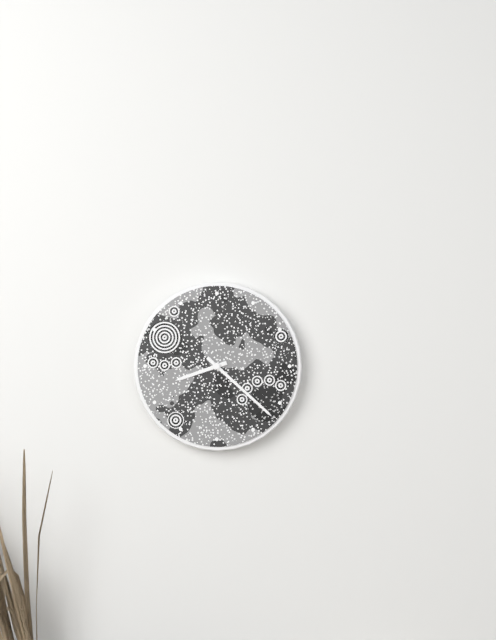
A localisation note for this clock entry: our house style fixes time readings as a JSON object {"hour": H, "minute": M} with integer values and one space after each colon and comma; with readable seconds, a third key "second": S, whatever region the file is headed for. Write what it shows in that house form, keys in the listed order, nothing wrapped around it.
{"hour": 8, "minute": 22}
